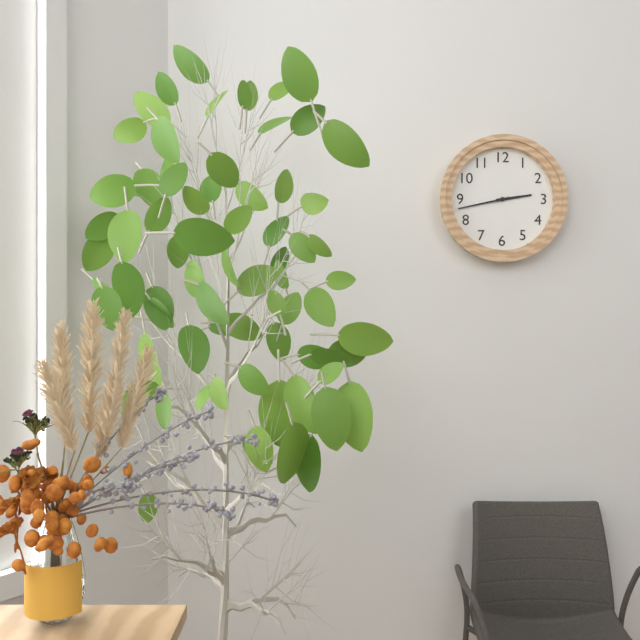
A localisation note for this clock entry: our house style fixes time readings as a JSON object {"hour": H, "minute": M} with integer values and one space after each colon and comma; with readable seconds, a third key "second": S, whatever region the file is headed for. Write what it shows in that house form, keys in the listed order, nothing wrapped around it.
{"hour": 2, "minute": 43}
